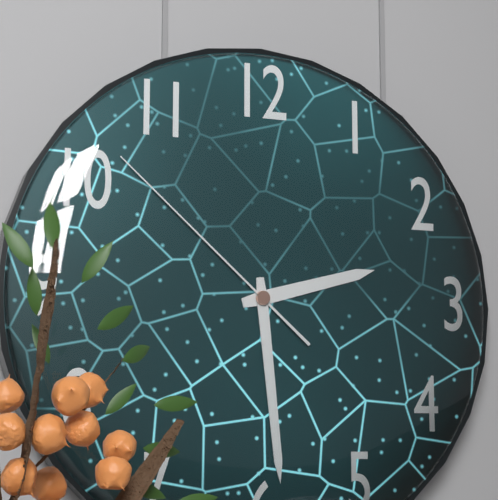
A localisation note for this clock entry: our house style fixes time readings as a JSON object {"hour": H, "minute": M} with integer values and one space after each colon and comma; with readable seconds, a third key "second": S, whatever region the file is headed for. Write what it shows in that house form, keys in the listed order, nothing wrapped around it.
{"hour": 2, "minute": 29, "second": 52}
